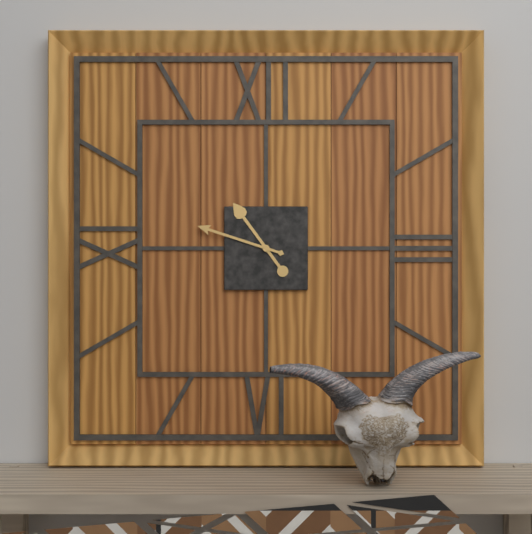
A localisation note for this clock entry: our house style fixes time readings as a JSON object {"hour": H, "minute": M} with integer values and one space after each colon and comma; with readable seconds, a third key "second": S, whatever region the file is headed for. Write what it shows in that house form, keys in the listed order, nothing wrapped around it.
{"hour": 10, "minute": 48}
